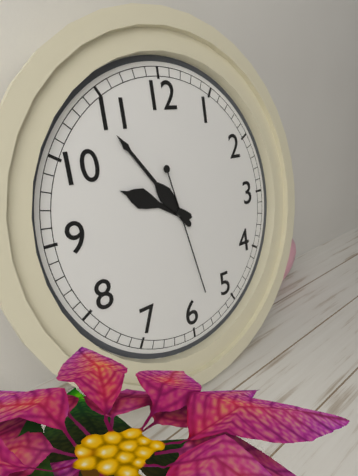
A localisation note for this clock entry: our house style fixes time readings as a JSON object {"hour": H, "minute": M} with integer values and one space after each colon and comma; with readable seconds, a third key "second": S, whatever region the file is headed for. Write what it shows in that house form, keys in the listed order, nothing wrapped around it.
{"hour": 9, "minute": 54, "second": 28}
